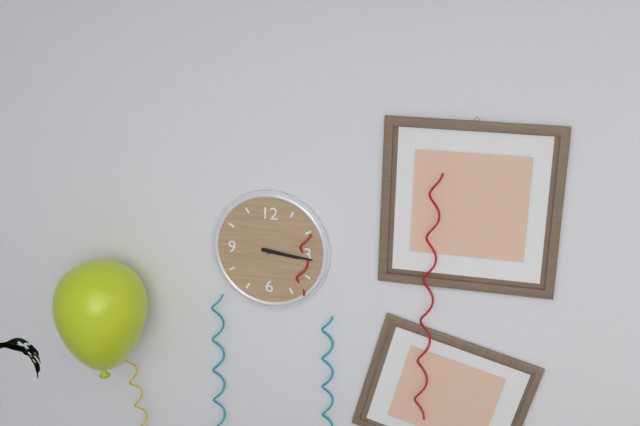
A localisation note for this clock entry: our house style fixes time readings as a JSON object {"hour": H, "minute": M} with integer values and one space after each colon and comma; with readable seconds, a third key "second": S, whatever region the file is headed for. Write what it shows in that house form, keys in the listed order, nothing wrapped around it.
{"hour": 3, "minute": 16}
